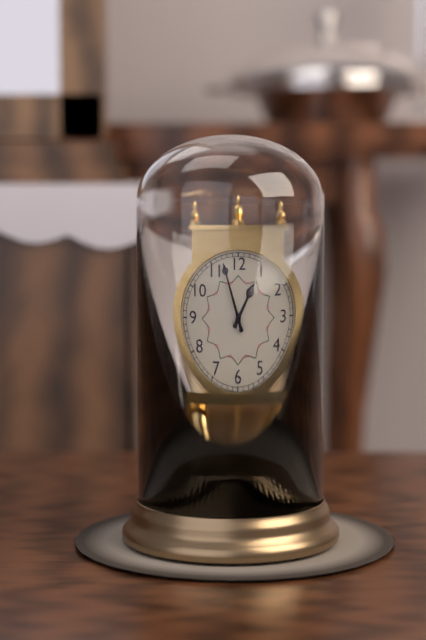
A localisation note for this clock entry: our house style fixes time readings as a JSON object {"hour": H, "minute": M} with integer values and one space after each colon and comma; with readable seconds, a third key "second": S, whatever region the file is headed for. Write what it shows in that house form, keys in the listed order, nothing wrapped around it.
{"hour": 12, "minute": 57}
